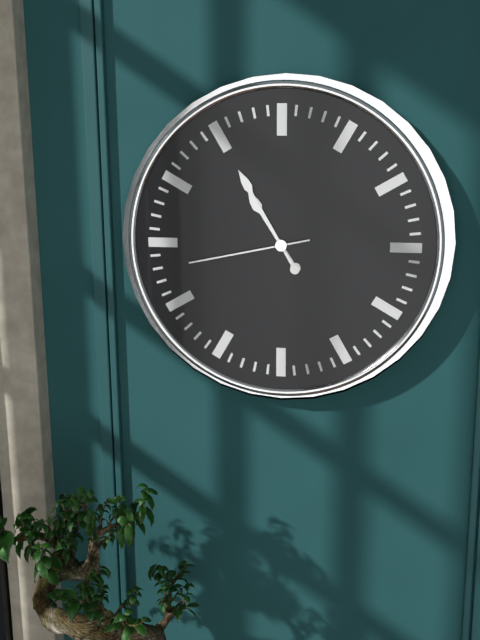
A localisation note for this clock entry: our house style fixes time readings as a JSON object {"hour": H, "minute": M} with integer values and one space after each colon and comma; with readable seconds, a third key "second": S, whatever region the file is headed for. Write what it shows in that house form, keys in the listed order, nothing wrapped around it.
{"hour": 10, "minute": 55, "second": 43}
